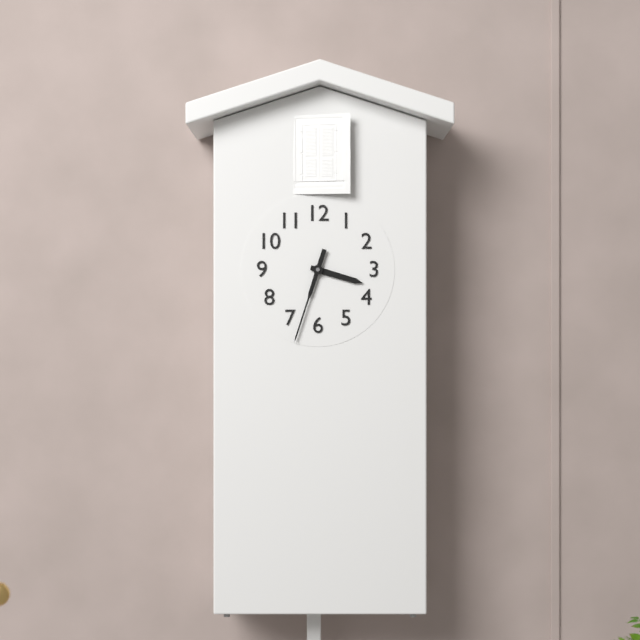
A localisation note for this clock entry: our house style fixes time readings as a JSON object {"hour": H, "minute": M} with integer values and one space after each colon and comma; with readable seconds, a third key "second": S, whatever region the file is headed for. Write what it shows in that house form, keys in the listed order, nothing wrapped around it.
{"hour": 3, "minute": 33}
